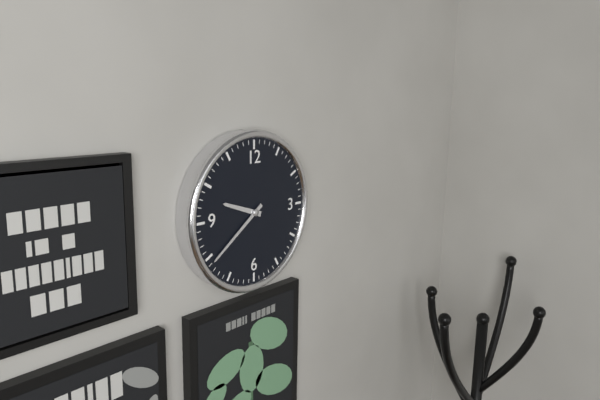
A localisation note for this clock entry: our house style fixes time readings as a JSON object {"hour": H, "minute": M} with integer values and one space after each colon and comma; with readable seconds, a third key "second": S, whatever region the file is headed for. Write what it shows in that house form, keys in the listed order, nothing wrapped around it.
{"hour": 9, "minute": 39}
